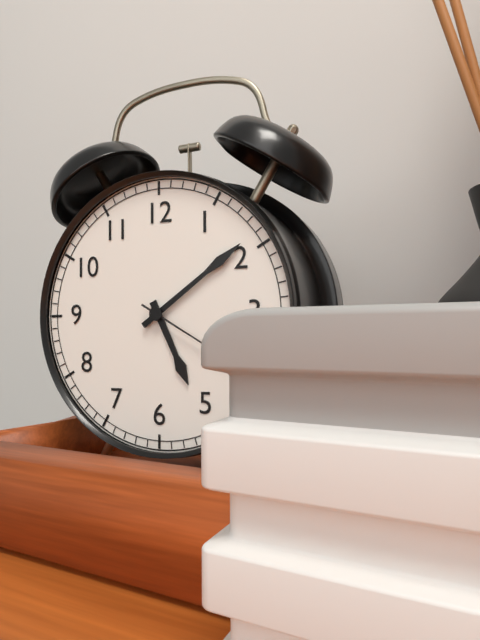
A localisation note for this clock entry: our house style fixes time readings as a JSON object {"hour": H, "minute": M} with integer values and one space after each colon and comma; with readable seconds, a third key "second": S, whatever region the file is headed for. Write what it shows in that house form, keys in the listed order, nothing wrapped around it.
{"hour": 5, "minute": 9}
